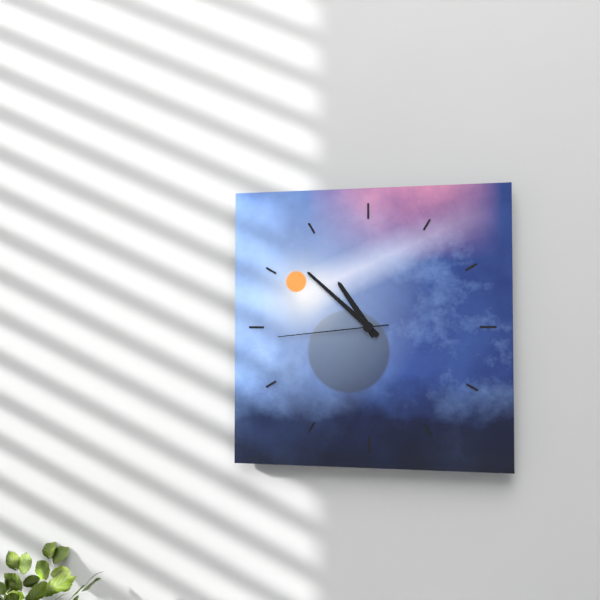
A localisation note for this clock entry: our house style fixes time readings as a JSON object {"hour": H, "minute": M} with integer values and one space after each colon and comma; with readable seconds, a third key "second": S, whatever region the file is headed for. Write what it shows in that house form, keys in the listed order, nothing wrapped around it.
{"hour": 10, "minute": 52, "second": 44}
